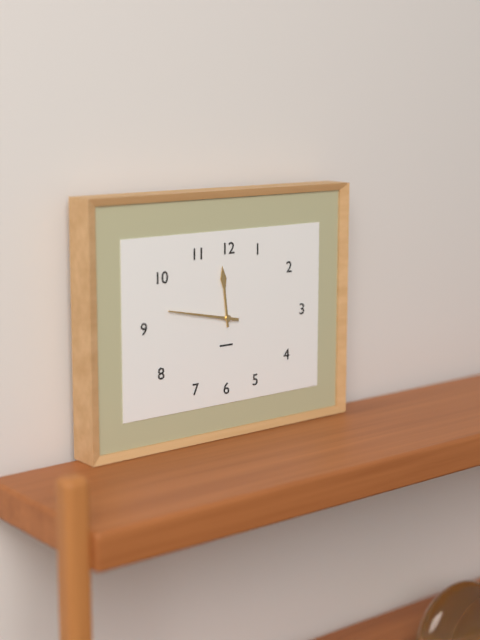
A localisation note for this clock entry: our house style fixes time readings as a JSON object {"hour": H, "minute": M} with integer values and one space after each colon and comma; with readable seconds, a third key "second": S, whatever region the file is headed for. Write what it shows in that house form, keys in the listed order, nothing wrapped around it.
{"hour": 11, "minute": 47}
